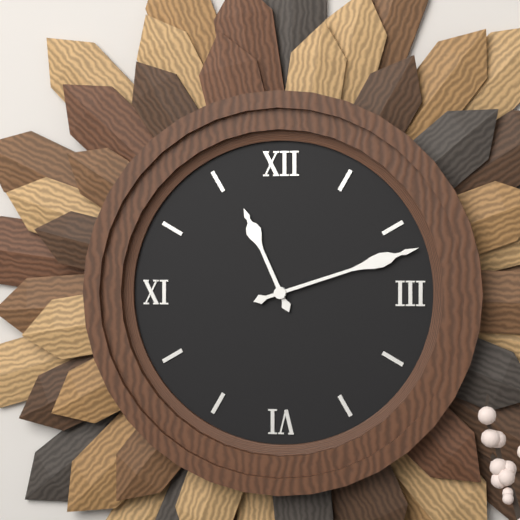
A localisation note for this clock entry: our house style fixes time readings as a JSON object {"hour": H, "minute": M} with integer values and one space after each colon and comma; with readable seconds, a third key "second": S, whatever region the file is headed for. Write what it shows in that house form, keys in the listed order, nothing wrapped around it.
{"hour": 11, "minute": 12}
